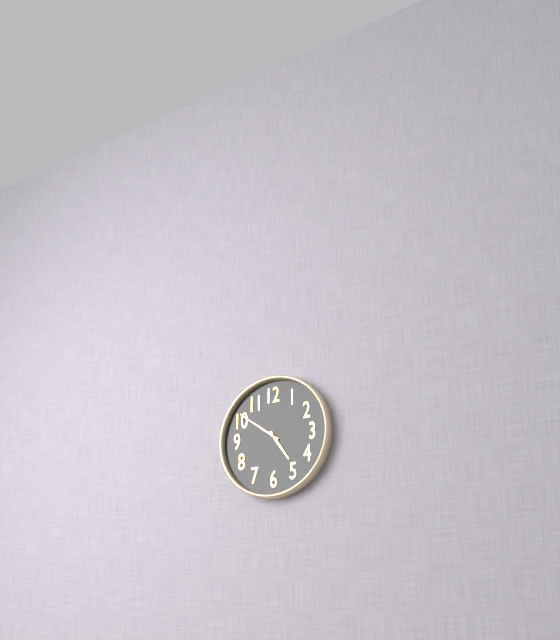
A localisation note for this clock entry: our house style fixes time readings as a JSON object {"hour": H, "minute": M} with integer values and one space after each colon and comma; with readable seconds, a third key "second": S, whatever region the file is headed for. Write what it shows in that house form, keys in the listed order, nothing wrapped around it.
{"hour": 4, "minute": 51}
